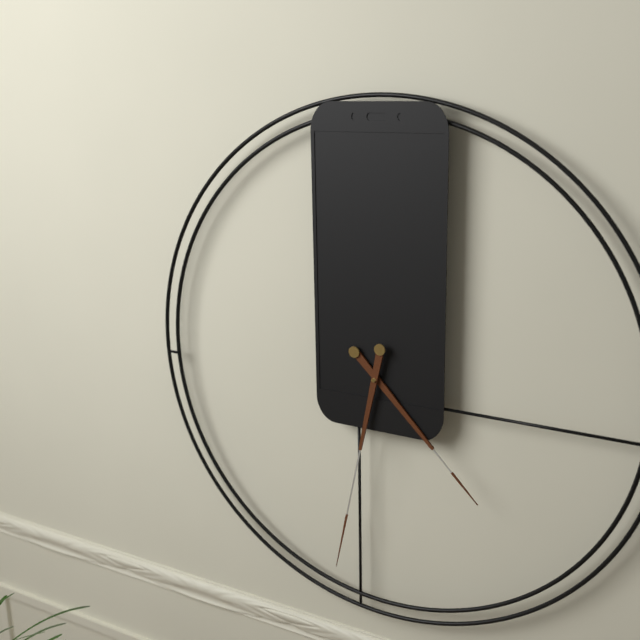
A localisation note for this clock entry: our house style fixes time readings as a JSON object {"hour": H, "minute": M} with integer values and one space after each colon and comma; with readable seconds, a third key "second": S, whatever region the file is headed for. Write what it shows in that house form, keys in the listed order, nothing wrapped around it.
{"hour": 4, "minute": 32}
